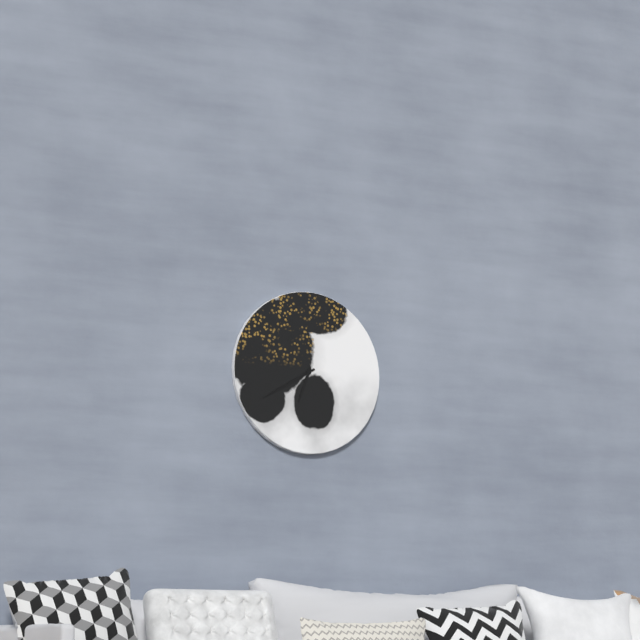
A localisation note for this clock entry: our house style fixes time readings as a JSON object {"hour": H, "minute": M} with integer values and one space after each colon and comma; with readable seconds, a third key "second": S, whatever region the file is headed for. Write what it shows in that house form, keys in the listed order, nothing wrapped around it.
{"hour": 6, "minute": 40}
